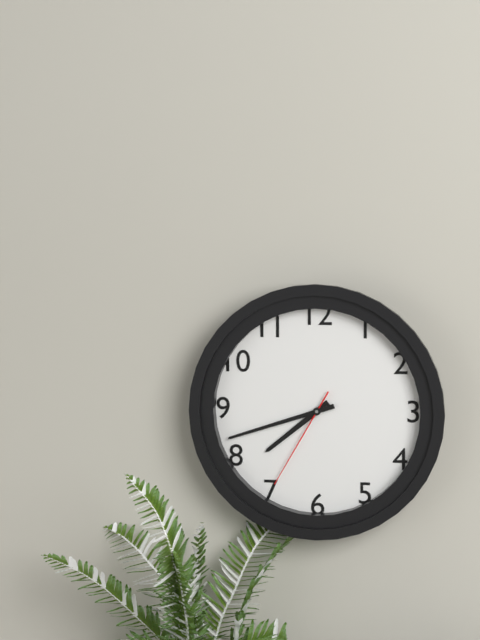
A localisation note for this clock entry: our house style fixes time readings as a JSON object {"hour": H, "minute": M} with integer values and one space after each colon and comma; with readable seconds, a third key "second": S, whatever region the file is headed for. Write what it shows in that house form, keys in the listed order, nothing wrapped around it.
{"hour": 7, "minute": 42, "second": 35}
